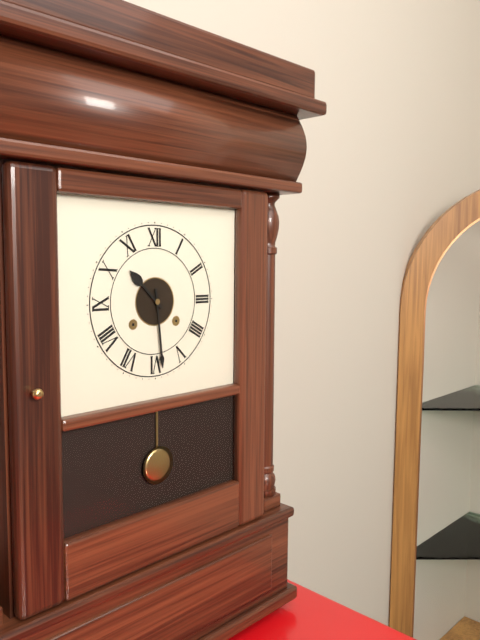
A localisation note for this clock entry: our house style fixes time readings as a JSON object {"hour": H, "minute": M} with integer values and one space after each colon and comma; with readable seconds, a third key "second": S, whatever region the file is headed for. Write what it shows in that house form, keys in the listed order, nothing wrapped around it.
{"hour": 10, "minute": 29}
